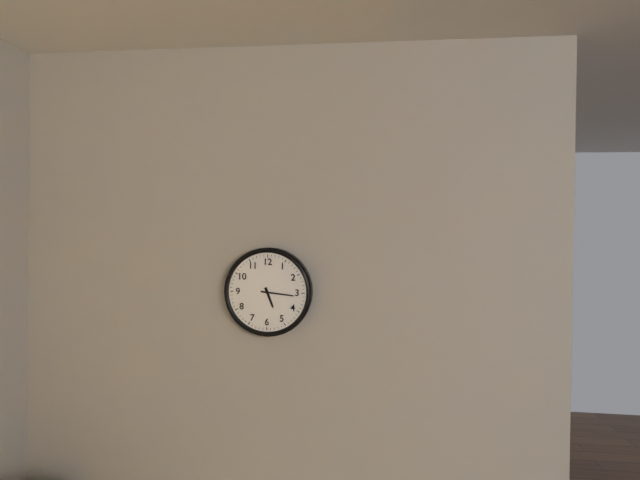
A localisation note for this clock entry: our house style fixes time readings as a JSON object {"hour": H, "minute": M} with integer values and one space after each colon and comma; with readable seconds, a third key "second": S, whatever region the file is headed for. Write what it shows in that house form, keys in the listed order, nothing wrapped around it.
{"hour": 5, "minute": 16}
